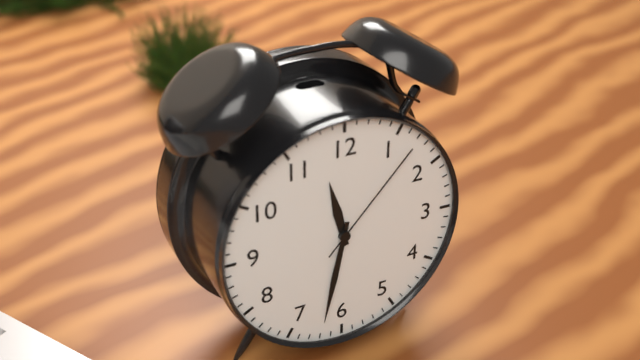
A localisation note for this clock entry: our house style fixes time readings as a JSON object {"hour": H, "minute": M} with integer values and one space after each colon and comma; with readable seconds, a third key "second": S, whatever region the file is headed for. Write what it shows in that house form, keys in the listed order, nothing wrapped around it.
{"hour": 11, "minute": 32, "second": 7}
